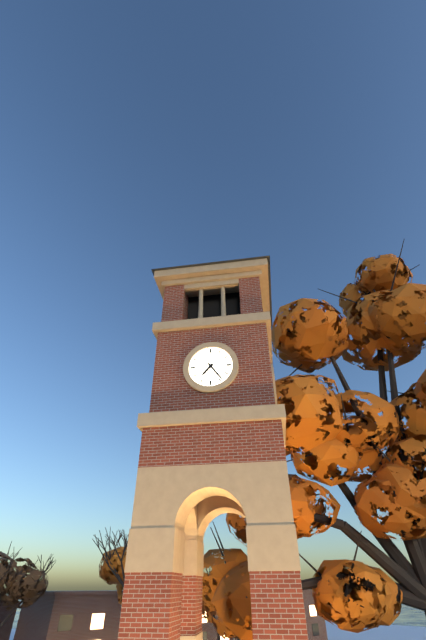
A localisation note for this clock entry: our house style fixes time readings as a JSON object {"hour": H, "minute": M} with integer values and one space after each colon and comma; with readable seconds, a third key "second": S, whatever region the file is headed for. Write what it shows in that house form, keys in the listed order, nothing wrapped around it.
{"hour": 7, "minute": 24}
